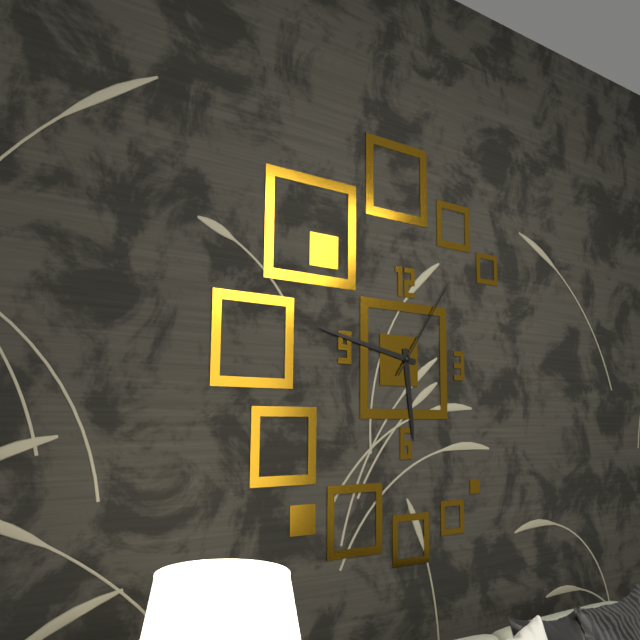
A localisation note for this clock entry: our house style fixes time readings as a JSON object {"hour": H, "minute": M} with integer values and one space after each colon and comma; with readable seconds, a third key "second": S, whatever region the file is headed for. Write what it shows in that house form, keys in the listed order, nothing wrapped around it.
{"hour": 5, "minute": 47, "second": 6}
